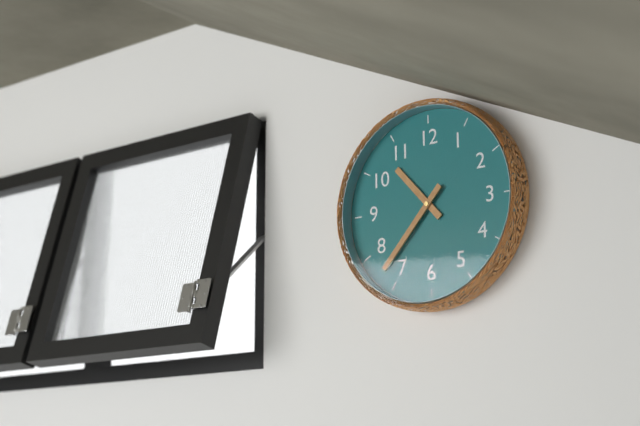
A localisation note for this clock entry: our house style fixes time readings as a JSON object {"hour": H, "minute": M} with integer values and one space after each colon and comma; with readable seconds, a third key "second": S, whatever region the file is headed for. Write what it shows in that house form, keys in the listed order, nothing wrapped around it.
{"hour": 10, "minute": 37}
